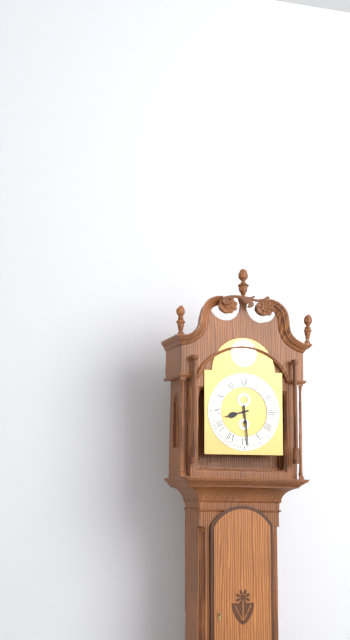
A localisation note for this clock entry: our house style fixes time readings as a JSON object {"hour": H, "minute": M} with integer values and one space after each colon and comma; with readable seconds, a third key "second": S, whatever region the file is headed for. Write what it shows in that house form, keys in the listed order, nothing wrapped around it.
{"hour": 8, "minute": 29}
